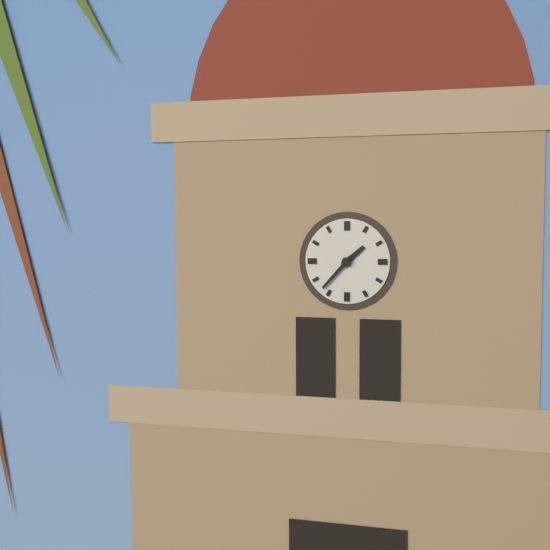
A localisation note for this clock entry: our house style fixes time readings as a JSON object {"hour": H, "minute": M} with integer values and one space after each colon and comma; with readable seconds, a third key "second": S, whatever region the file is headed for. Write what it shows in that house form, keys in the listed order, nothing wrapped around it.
{"hour": 1, "minute": 37}
